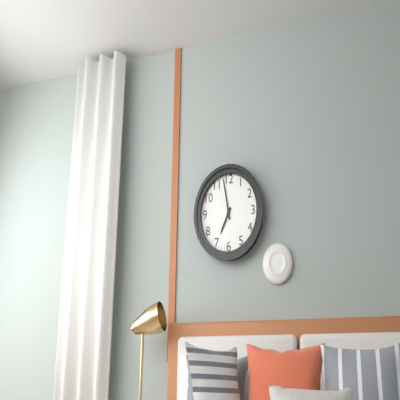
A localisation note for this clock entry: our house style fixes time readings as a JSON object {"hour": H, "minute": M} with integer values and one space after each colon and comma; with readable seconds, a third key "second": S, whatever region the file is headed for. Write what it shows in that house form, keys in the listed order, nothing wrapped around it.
{"hour": 6, "minute": 58}
